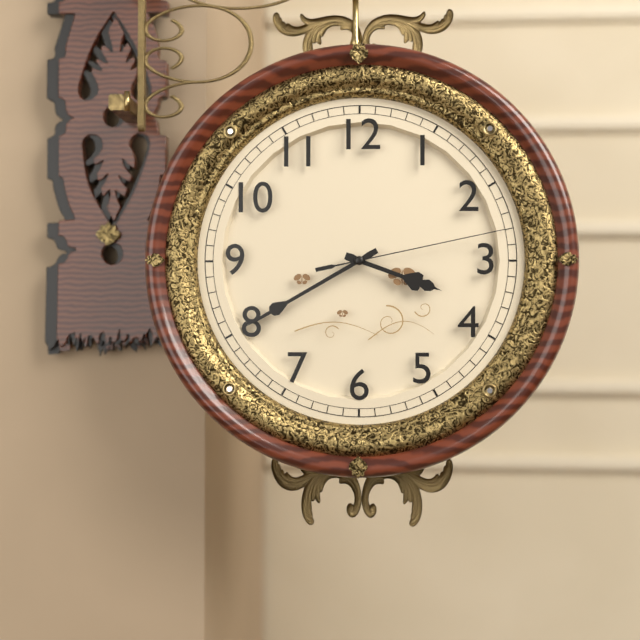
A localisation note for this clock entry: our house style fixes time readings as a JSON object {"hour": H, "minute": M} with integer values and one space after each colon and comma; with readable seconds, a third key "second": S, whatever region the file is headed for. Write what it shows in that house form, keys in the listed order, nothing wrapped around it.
{"hour": 3, "minute": 40, "second": 13}
